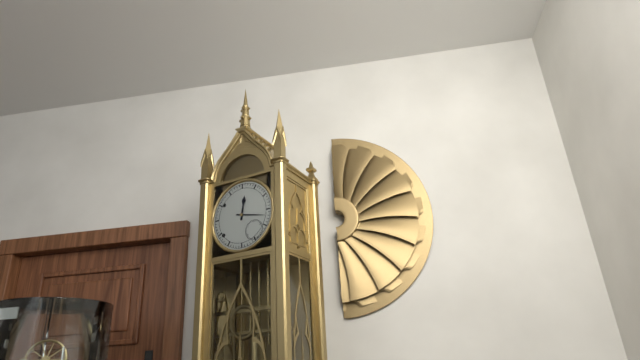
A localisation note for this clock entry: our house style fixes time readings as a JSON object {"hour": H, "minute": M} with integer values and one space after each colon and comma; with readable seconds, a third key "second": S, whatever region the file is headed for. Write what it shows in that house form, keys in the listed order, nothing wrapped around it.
{"hour": 12, "minute": 17}
